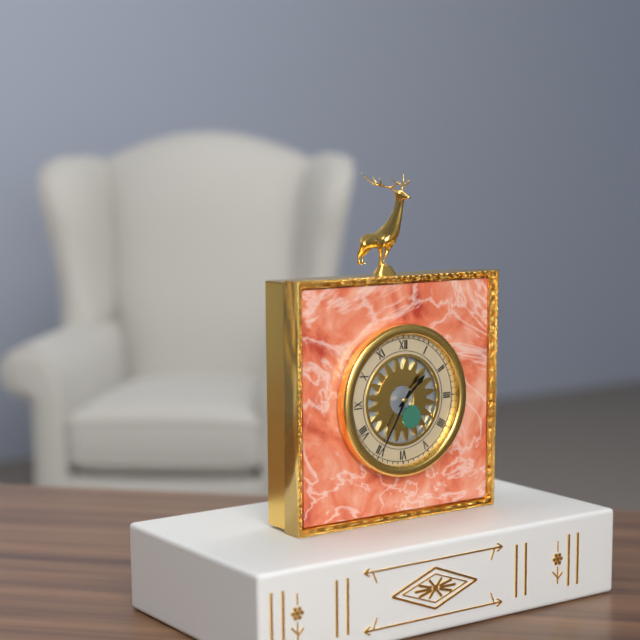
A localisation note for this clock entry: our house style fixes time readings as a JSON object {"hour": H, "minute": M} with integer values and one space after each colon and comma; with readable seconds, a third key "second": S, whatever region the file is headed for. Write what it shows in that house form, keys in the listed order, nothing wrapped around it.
{"hour": 1, "minute": 35}
